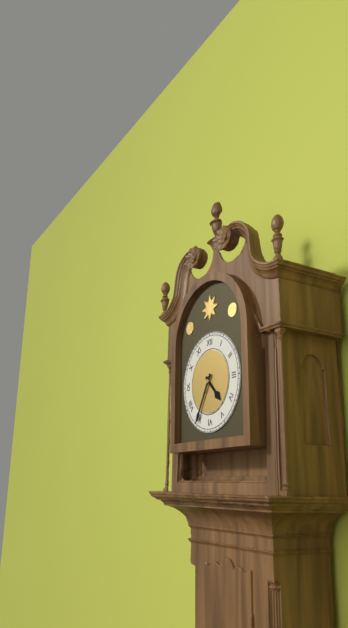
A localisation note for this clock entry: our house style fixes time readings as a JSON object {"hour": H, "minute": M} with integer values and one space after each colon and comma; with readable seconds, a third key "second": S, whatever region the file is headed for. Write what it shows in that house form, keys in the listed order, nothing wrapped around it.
{"hour": 4, "minute": 35}
